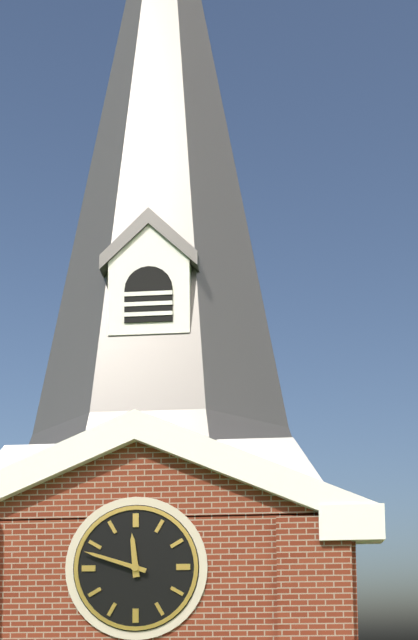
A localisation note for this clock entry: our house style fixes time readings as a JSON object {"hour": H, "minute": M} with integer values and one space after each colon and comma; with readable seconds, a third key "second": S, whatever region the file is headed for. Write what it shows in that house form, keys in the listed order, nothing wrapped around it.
{"hour": 11, "minute": 48}
